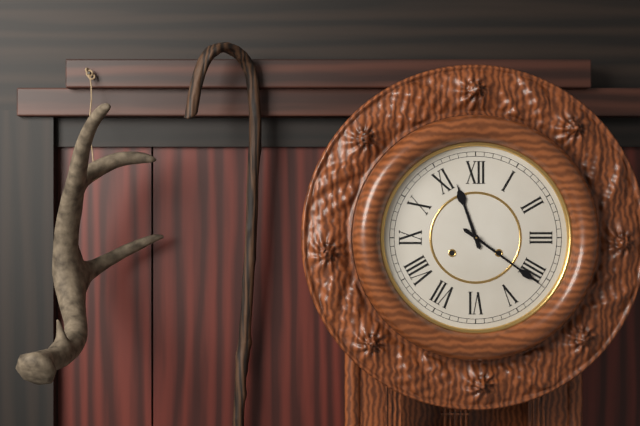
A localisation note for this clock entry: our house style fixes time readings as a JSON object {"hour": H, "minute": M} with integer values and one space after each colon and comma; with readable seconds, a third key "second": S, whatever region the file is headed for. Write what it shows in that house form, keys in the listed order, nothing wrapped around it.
{"hour": 11, "minute": 21}
